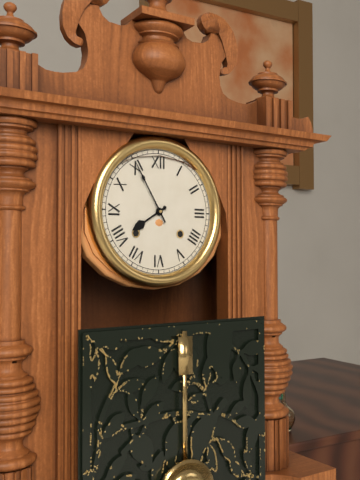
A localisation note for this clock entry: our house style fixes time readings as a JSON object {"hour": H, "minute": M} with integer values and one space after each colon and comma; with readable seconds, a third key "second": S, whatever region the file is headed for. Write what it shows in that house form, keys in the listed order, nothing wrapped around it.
{"hour": 7, "minute": 55}
